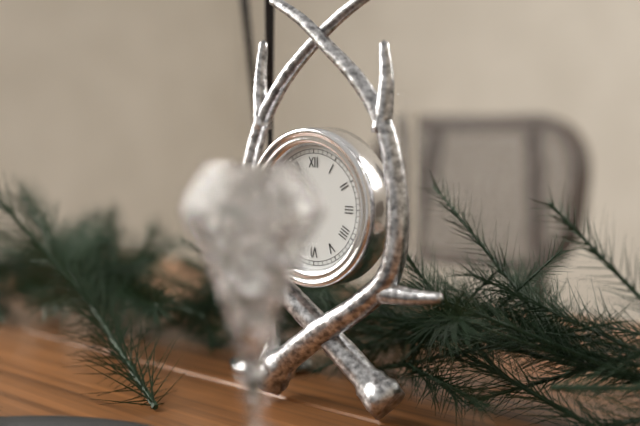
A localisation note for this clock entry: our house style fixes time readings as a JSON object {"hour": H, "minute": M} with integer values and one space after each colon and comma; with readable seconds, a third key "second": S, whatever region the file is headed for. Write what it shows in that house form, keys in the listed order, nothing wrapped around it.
{"hour": 6, "minute": 54}
